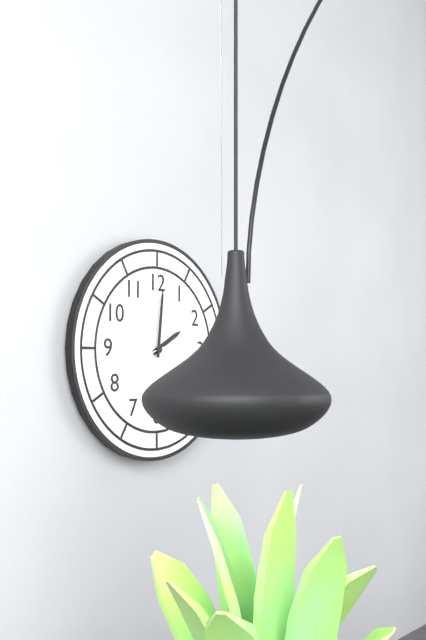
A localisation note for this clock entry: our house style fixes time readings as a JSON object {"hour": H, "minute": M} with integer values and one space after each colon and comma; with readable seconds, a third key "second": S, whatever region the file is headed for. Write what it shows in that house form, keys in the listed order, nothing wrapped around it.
{"hour": 2, "minute": 1, "second": 42}
